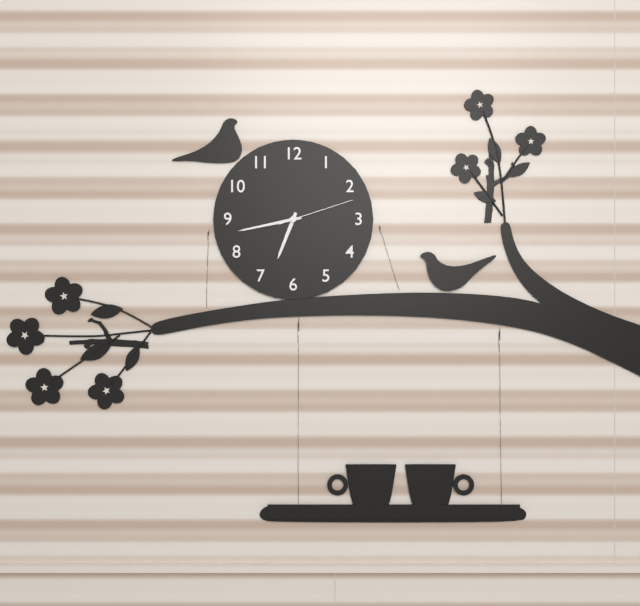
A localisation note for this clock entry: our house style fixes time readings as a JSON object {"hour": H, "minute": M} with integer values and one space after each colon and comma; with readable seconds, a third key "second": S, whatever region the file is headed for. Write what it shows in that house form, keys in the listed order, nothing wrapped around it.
{"hour": 6, "minute": 43, "second": 12}
